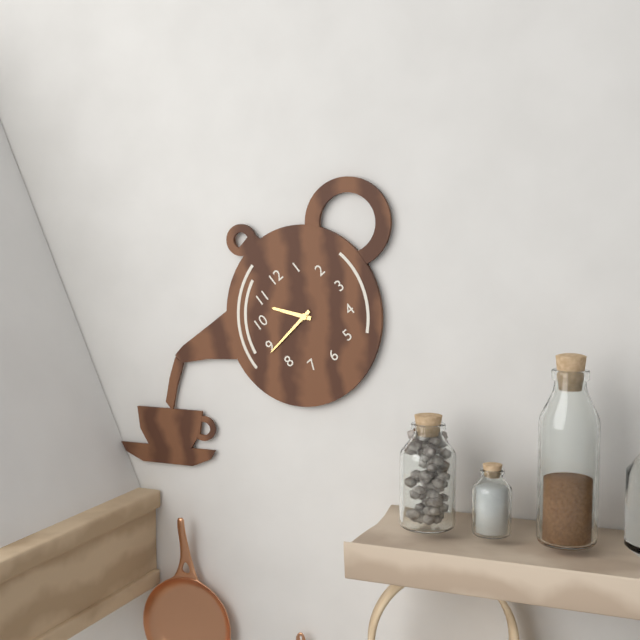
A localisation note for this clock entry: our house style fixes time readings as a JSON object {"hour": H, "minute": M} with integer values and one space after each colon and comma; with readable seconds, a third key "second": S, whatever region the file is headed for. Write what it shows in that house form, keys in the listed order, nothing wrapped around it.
{"hour": 10, "minute": 44}
